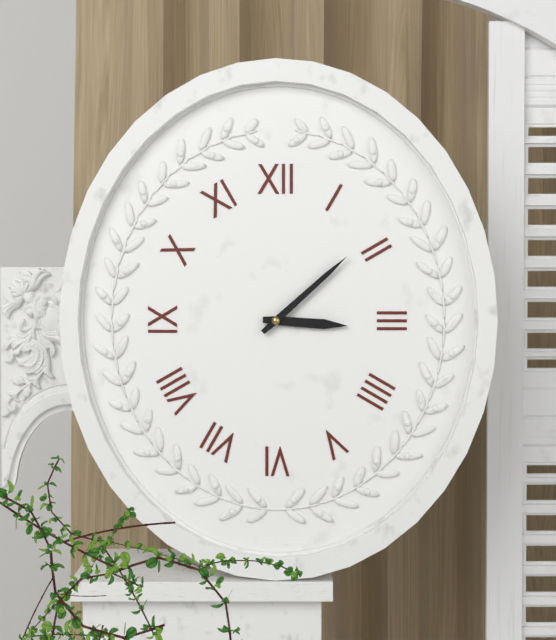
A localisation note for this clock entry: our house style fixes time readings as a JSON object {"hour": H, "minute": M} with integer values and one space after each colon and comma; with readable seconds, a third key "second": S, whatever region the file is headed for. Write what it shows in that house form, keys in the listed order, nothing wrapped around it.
{"hour": 3, "minute": 8}
